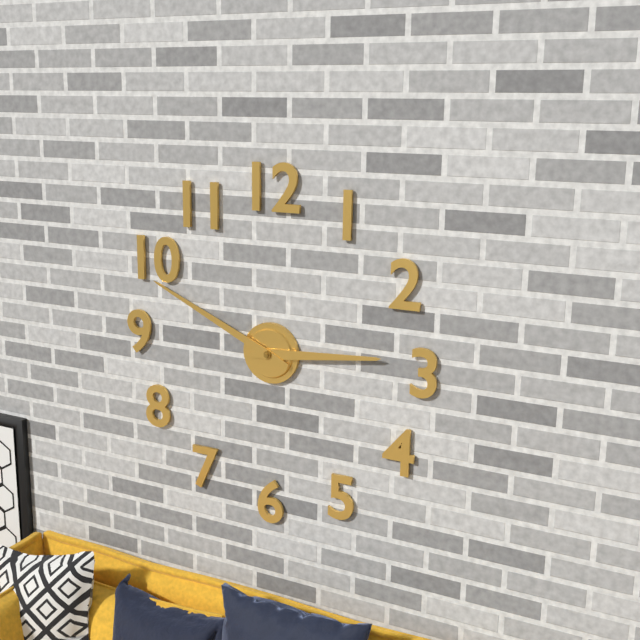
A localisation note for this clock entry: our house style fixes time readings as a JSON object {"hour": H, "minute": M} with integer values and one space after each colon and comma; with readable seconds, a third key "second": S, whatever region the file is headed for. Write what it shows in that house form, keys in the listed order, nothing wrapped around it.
{"hour": 2, "minute": 49}
